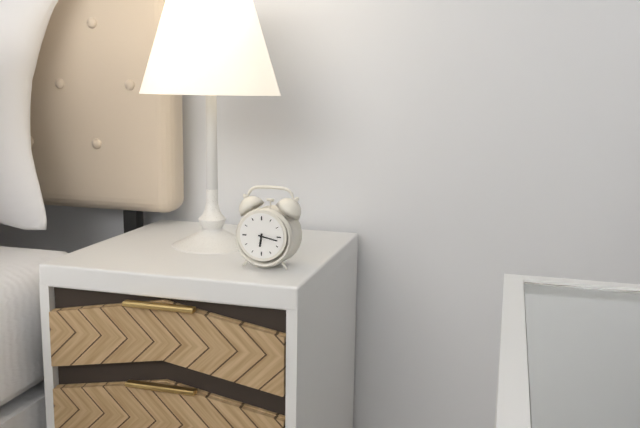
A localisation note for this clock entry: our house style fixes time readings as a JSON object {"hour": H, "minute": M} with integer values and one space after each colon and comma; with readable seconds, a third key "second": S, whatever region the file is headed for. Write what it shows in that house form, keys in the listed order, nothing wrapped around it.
{"hour": 6, "minute": 17}
